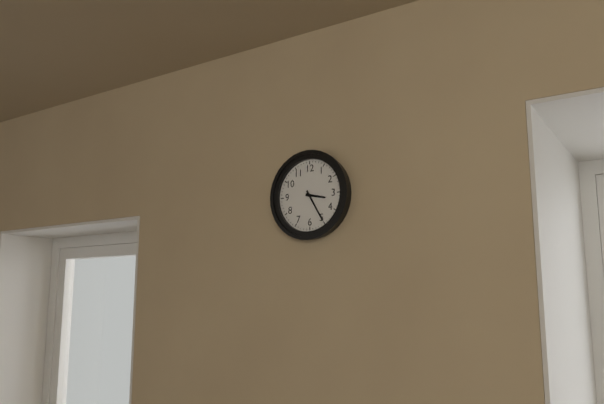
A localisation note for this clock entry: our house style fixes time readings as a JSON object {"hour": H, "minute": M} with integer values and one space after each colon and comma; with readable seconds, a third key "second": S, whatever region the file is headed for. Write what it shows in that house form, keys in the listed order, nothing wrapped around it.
{"hour": 3, "minute": 25}
